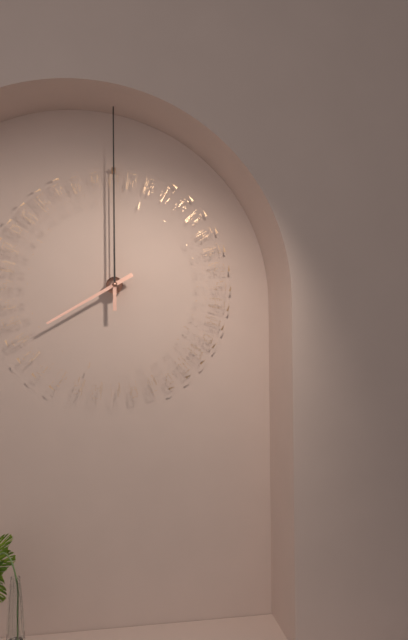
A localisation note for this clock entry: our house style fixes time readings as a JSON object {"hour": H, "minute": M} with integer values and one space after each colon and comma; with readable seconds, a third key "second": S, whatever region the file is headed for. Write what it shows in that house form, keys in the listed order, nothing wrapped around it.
{"hour": 8, "minute": 0}
